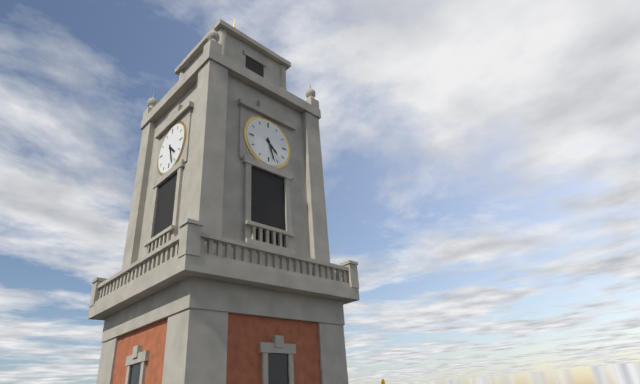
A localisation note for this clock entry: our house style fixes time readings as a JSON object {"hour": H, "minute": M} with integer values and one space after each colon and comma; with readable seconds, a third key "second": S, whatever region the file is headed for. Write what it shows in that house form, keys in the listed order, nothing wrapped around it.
{"hour": 4, "minute": 27}
